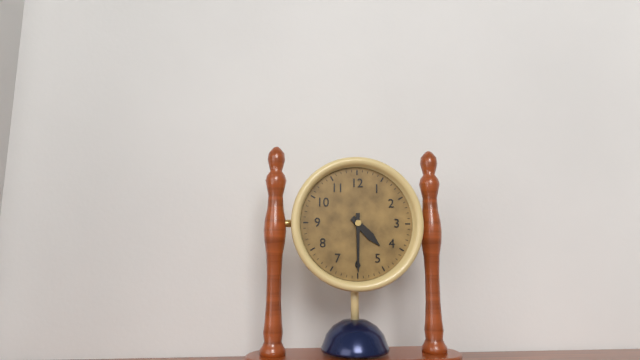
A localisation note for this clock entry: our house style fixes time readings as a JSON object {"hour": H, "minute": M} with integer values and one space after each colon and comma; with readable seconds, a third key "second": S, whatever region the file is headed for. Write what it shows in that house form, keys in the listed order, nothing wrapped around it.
{"hour": 4, "minute": 30}
